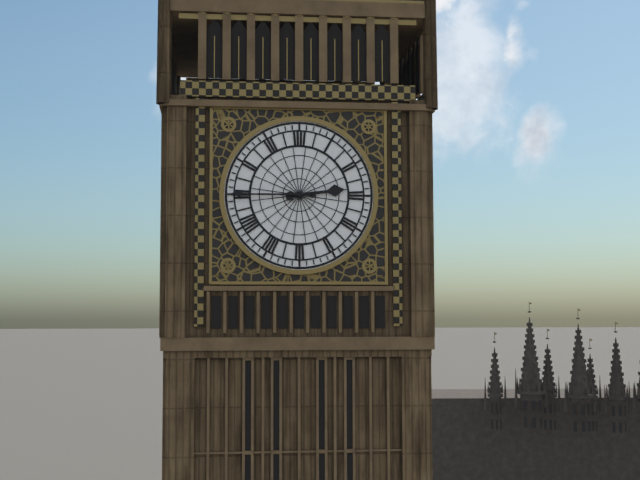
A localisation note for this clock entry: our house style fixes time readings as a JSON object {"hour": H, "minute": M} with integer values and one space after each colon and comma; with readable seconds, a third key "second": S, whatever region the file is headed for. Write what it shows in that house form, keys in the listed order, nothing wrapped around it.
{"hour": 2, "minute": 45}
